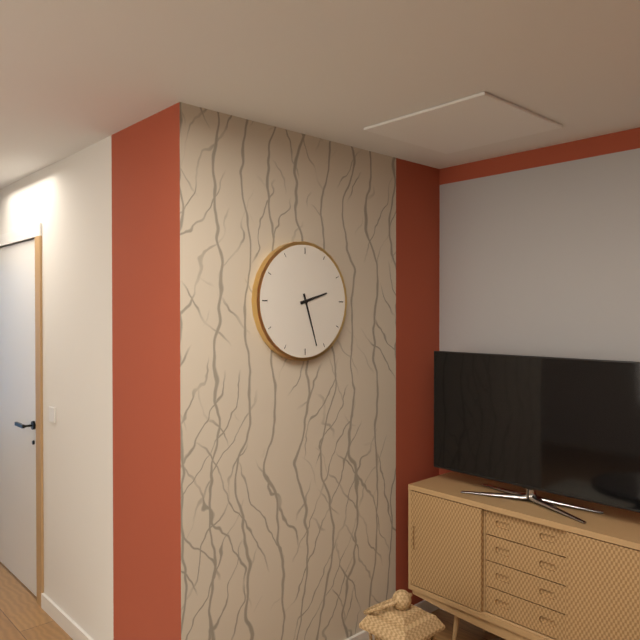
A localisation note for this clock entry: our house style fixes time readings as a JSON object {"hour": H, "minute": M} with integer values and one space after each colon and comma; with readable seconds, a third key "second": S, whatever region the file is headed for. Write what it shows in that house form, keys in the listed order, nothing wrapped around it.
{"hour": 2, "minute": 27}
